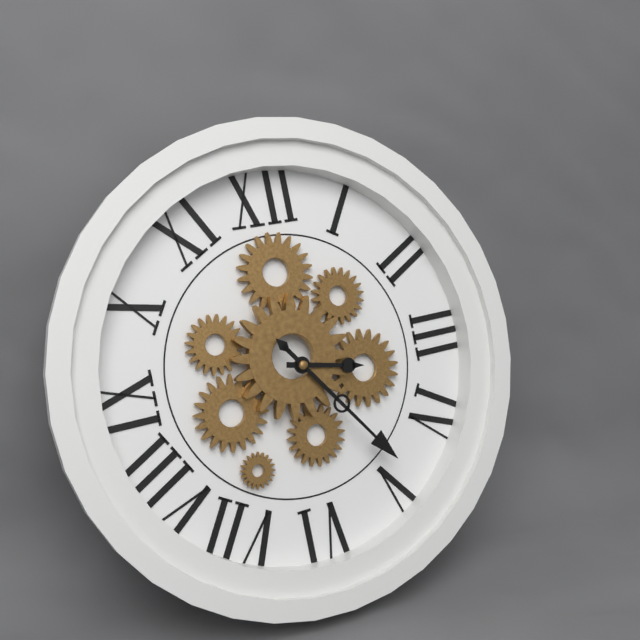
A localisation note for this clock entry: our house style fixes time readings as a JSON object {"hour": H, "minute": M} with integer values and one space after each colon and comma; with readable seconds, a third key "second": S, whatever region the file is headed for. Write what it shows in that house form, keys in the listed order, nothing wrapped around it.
{"hour": 3, "minute": 24}
